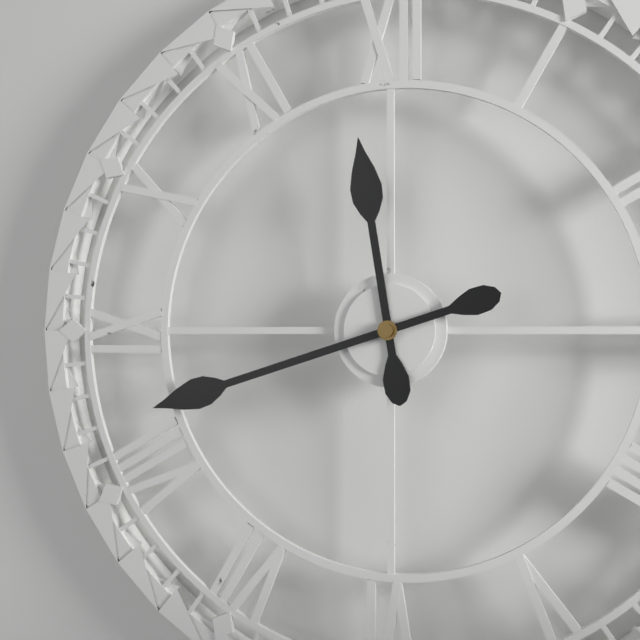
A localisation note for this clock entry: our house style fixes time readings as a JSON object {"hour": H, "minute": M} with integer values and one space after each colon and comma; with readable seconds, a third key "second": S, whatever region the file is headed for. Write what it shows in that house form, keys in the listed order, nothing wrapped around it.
{"hour": 11, "minute": 42}
